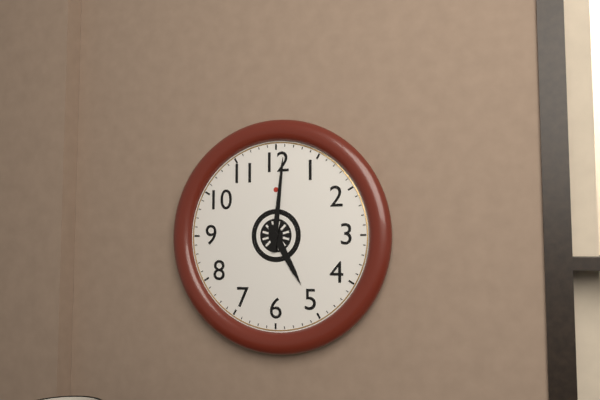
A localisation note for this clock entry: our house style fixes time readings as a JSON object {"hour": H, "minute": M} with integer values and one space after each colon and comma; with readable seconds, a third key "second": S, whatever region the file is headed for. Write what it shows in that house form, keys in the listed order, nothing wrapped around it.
{"hour": 5, "minute": 1}
